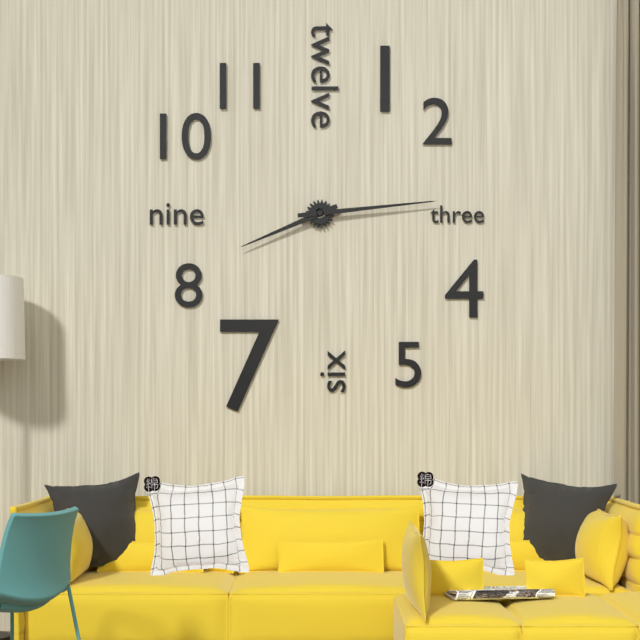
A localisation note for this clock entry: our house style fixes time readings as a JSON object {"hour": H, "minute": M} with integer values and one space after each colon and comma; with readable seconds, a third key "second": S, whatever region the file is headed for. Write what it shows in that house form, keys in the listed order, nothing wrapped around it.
{"hour": 8, "minute": 14}
